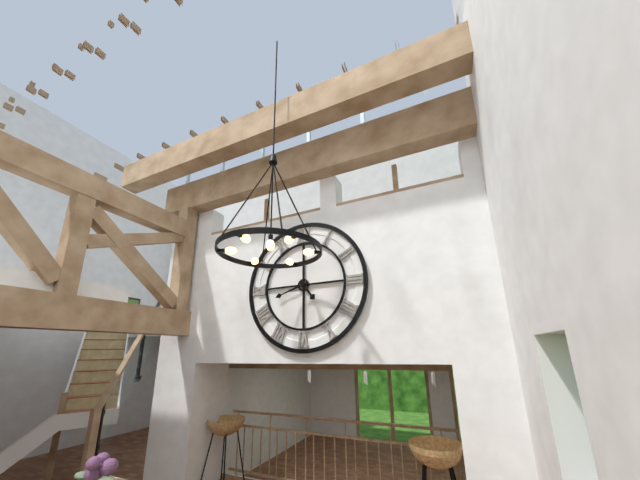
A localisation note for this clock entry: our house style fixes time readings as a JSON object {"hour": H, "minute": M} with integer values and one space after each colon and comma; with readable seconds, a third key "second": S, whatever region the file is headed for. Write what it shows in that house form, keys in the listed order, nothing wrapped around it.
{"hour": 4, "minute": 42}
